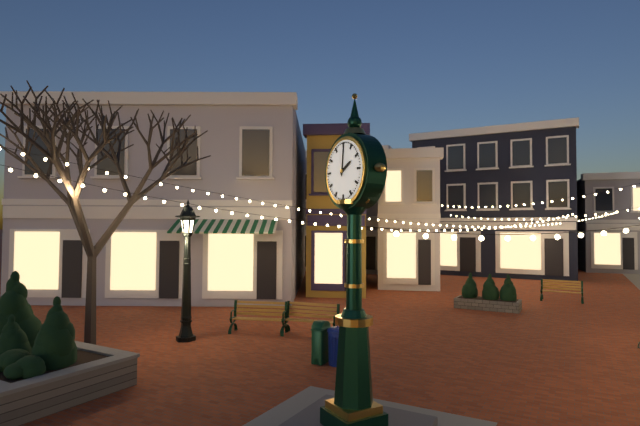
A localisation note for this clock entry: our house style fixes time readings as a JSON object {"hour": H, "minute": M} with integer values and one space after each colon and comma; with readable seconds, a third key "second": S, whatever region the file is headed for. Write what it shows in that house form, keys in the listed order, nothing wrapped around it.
{"hour": 2, "minute": 1}
